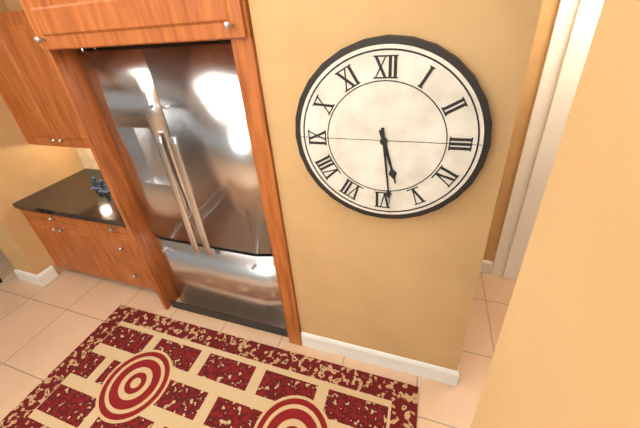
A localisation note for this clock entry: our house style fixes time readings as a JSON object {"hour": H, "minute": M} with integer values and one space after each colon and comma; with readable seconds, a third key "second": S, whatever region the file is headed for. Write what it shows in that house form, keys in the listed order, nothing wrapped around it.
{"hour": 5, "minute": 29}
